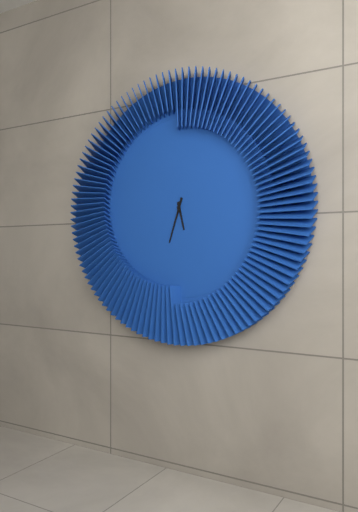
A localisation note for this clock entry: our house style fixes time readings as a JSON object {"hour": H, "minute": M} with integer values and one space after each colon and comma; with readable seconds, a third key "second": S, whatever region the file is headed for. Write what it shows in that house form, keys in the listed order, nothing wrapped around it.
{"hour": 5, "minute": 33}
